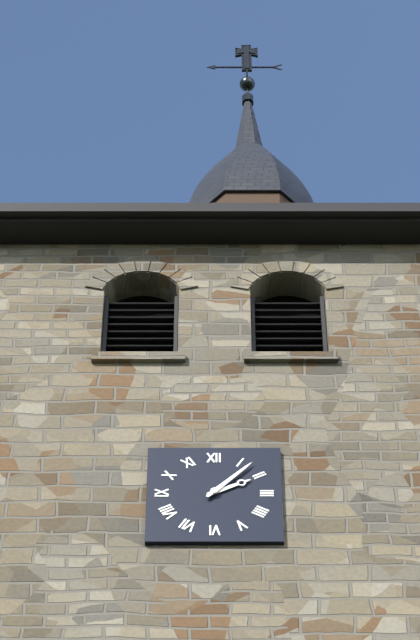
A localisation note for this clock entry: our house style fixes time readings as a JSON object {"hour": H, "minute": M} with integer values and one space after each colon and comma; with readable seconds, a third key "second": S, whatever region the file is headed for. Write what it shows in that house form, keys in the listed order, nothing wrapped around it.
{"hour": 2, "minute": 7}
